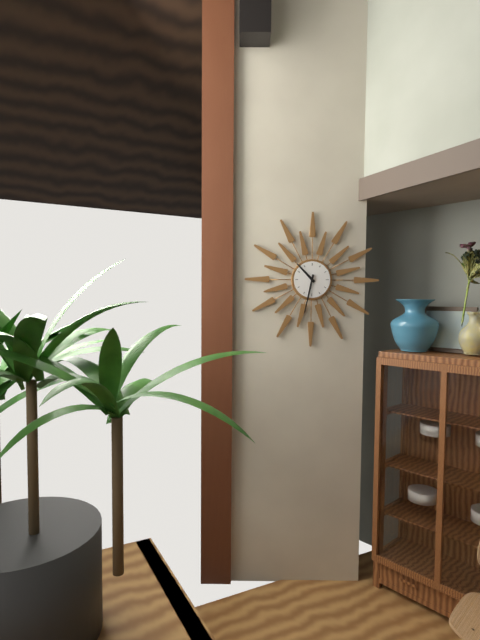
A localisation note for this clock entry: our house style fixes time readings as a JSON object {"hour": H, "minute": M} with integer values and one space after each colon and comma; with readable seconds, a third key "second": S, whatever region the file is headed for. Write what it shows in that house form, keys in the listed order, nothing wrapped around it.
{"hour": 10, "minute": 32}
